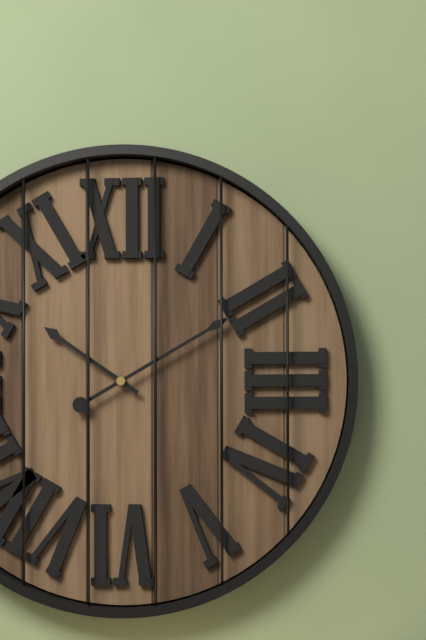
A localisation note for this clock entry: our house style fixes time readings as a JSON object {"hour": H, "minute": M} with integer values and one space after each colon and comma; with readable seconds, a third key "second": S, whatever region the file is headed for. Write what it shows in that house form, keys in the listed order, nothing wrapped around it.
{"hour": 10, "minute": 10}
